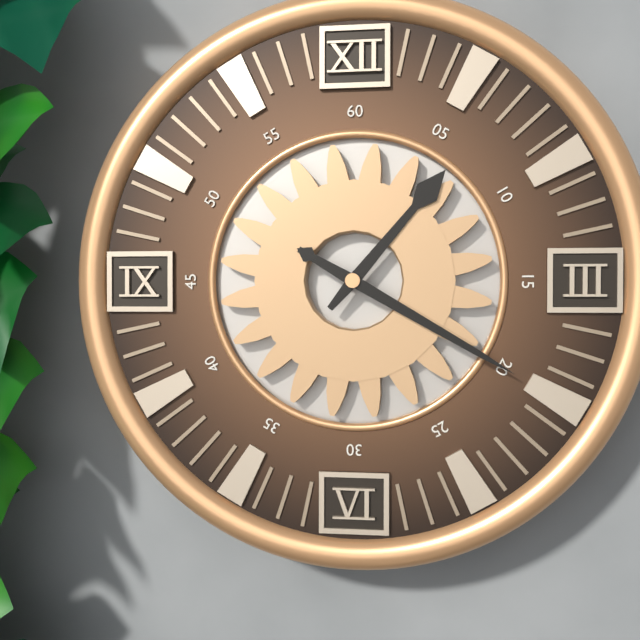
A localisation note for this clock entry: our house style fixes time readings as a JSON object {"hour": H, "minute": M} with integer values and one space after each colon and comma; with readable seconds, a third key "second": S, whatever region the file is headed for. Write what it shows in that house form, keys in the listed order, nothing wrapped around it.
{"hour": 1, "minute": 20}
